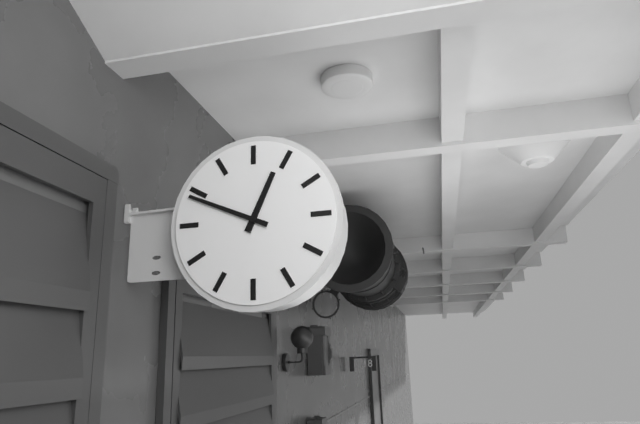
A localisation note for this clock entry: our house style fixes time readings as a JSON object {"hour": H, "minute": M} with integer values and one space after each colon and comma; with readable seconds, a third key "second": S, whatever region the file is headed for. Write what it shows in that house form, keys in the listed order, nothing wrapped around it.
{"hour": 12, "minute": 49}
